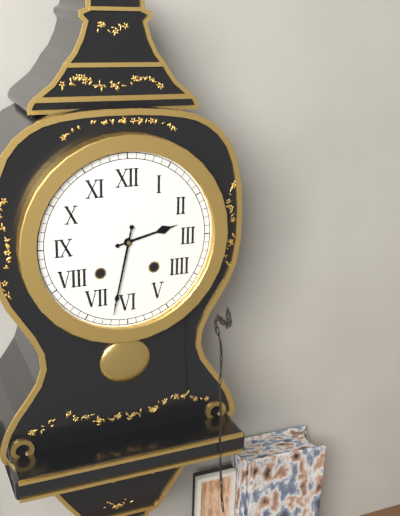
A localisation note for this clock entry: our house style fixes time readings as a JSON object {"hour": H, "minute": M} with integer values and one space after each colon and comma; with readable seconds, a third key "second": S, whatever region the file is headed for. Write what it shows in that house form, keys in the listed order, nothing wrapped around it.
{"hour": 2, "minute": 32}
